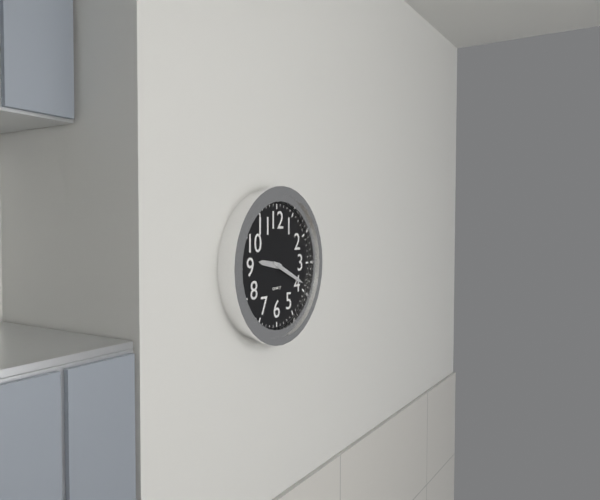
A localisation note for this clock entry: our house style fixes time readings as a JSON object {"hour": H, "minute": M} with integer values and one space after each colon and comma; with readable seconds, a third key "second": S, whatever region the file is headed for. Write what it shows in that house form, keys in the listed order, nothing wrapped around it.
{"hour": 9, "minute": 19}
